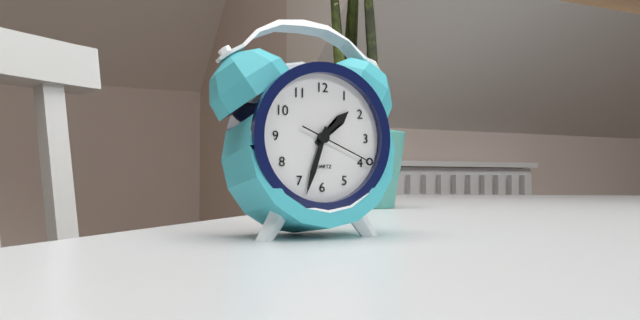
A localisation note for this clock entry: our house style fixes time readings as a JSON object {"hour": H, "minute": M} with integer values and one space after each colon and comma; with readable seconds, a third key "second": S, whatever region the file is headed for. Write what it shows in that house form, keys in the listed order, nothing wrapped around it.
{"hour": 1, "minute": 33, "second": 19}
